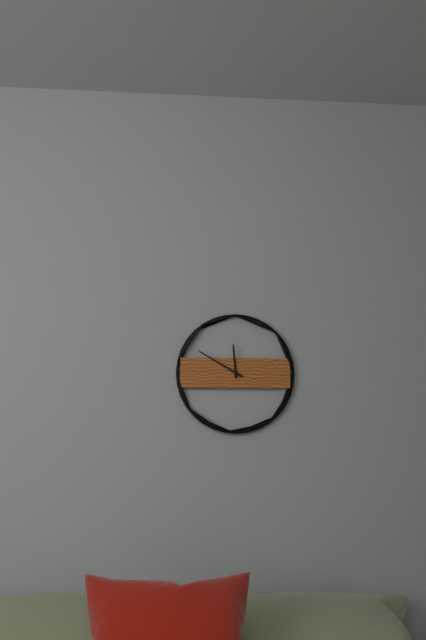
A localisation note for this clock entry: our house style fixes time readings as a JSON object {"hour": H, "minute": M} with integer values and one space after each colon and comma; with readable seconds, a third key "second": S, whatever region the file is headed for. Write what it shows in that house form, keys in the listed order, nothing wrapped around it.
{"hour": 11, "minute": 50}
